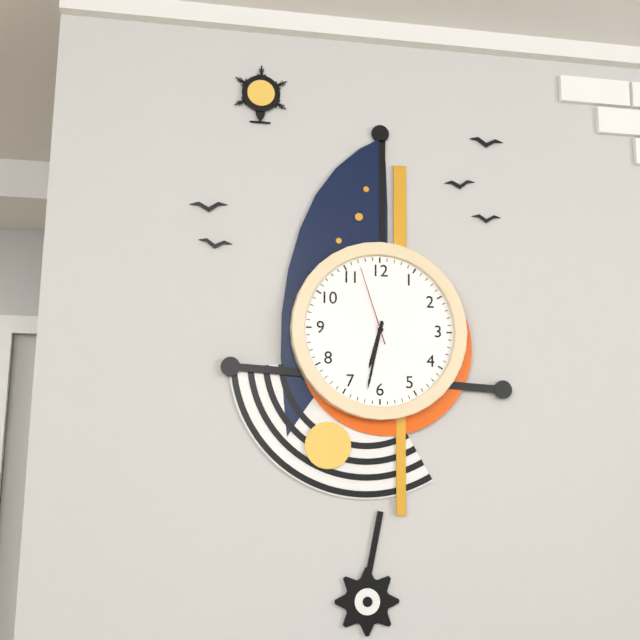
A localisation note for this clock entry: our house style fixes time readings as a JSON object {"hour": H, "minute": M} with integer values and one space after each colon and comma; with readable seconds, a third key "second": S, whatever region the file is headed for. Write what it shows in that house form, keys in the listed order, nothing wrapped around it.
{"hour": 6, "minute": 32, "second": 57}
